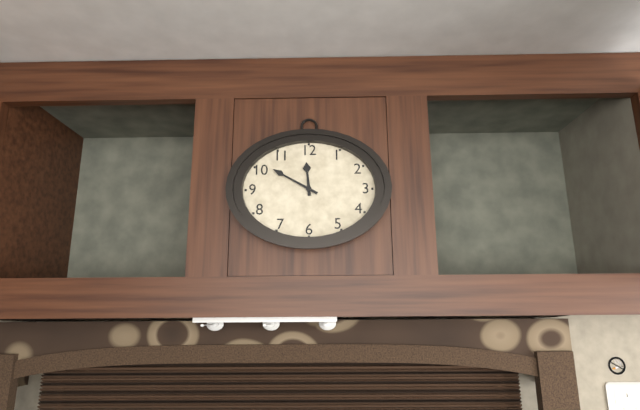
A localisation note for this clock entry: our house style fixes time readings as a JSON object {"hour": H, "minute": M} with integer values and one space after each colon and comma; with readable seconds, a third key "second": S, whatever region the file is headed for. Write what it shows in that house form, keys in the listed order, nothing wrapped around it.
{"hour": 11, "minute": 50}
